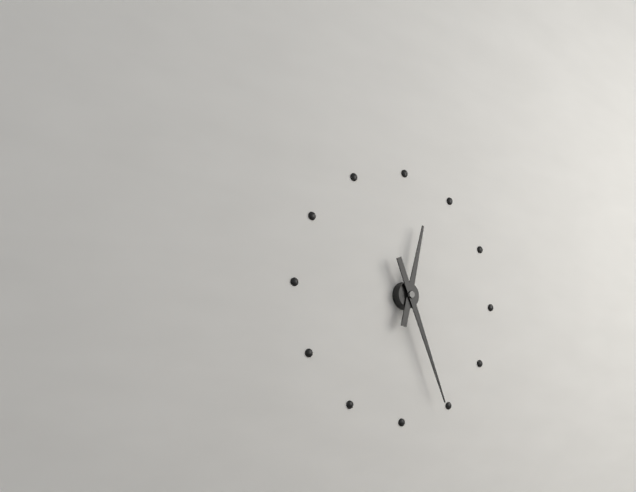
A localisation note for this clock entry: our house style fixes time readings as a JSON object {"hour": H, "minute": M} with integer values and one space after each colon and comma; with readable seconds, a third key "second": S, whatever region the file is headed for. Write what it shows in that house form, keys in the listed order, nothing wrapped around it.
{"hour": 12, "minute": 26}
